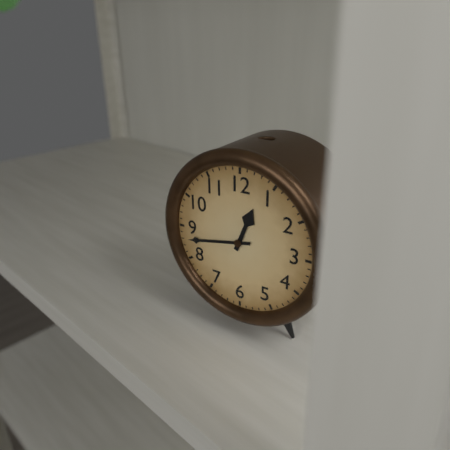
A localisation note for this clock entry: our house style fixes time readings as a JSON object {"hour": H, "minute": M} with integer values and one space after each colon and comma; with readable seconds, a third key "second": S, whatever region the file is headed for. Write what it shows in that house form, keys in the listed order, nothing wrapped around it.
{"hour": 12, "minute": 43}
